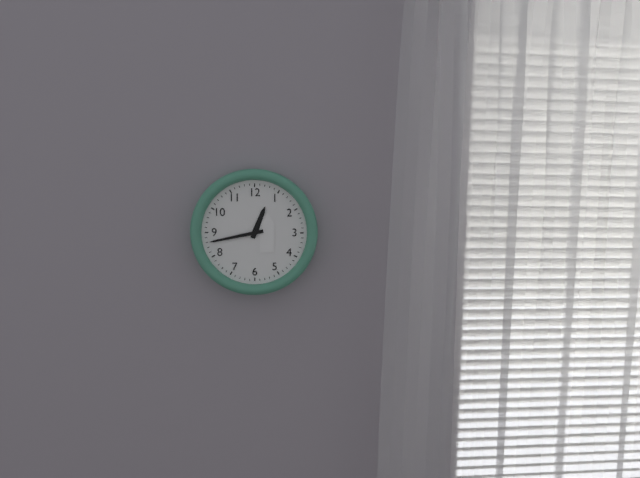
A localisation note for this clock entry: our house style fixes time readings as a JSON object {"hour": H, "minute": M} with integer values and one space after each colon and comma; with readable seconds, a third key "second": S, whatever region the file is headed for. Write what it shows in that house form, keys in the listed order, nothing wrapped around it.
{"hour": 12, "minute": 43}
